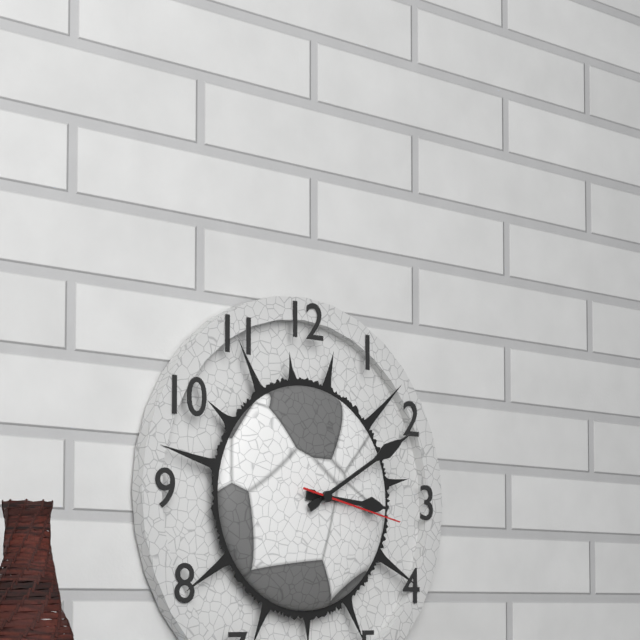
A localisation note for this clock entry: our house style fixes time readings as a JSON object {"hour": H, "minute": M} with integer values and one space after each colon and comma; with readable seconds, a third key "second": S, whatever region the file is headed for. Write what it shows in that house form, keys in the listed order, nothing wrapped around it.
{"hour": 3, "minute": 10, "second": 17}
